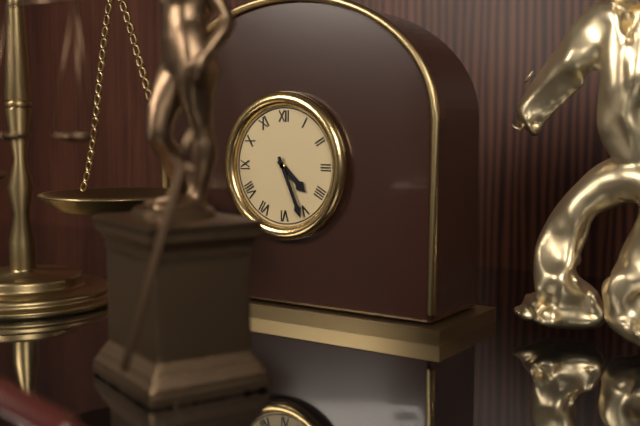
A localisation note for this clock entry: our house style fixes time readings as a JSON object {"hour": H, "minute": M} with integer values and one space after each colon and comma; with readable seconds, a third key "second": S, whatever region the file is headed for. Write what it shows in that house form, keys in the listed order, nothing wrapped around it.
{"hour": 4, "minute": 26}
